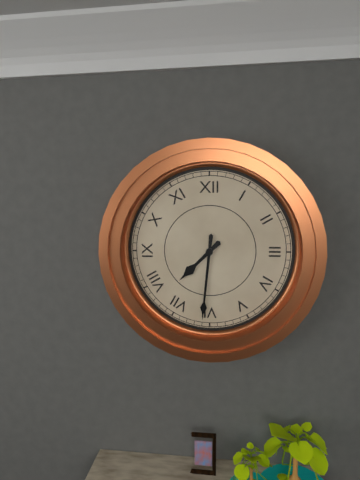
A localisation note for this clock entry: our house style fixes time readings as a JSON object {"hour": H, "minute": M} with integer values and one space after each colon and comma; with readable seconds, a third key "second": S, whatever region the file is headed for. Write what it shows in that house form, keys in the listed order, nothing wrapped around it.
{"hour": 7, "minute": 31}
